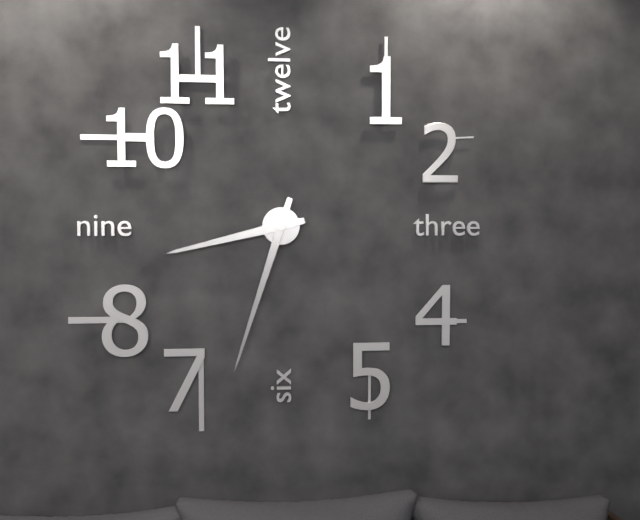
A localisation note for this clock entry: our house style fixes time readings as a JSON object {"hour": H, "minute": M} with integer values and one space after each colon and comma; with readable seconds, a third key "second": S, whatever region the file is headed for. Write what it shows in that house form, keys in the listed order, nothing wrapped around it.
{"hour": 8, "minute": 33}
